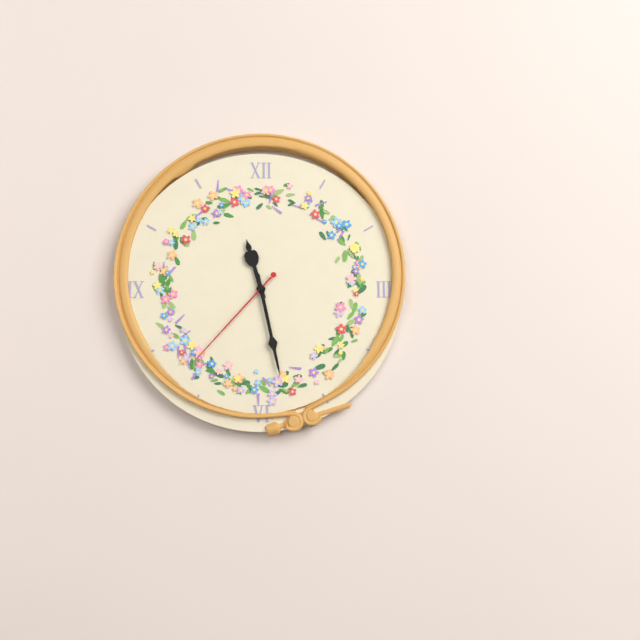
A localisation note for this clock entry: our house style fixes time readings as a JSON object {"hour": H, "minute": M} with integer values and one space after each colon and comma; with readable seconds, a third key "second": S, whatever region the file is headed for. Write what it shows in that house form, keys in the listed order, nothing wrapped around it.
{"hour": 11, "minute": 28, "second": 37}
